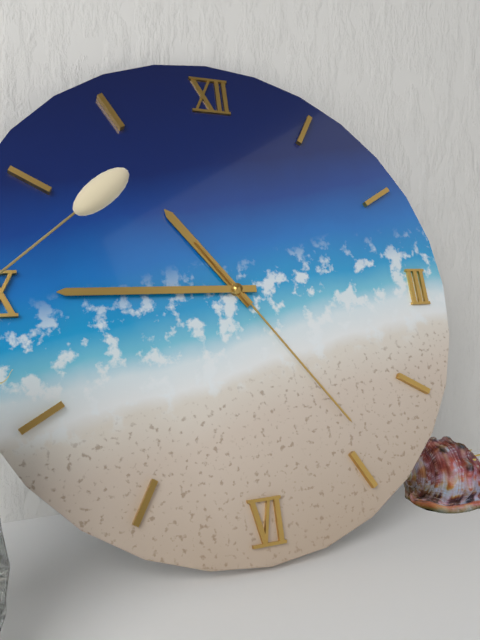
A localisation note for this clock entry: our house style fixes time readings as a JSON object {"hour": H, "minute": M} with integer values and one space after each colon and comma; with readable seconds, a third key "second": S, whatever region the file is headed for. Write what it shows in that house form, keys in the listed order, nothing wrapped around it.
{"hour": 10, "minute": 45, "second": 24}
